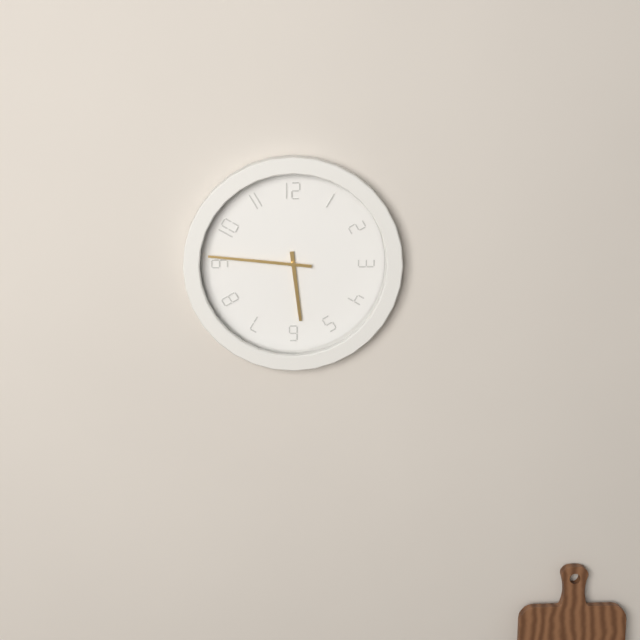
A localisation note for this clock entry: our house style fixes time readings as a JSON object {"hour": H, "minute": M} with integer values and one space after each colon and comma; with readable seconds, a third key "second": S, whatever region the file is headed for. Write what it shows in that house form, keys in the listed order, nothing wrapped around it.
{"hour": 5, "minute": 46}
